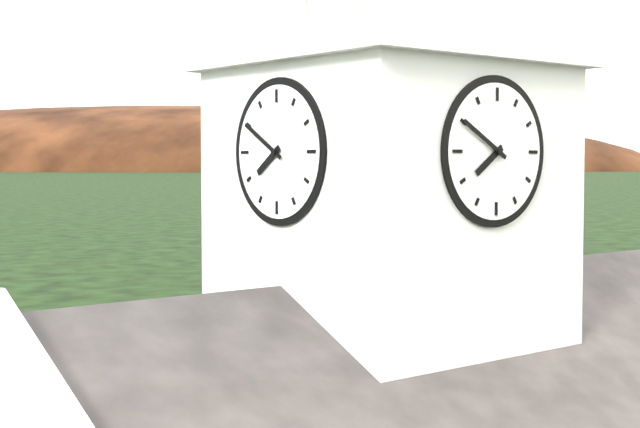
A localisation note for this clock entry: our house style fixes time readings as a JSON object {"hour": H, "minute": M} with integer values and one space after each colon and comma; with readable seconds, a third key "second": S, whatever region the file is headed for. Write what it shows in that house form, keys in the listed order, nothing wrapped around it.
{"hour": 7, "minute": 50}
